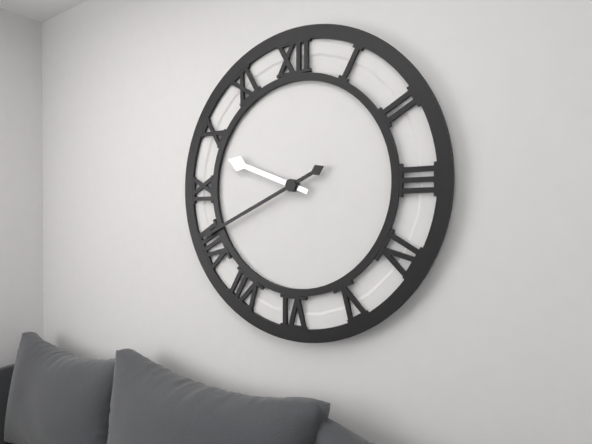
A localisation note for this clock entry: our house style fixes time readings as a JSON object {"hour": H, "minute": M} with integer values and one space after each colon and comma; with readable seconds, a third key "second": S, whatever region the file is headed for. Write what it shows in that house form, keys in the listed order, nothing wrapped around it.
{"hour": 9, "minute": 41}
